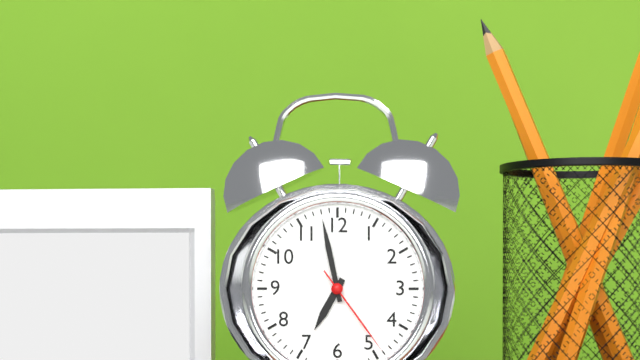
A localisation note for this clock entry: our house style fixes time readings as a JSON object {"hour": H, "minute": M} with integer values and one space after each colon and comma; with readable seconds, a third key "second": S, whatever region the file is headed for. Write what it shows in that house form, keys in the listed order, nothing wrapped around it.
{"hour": 6, "minute": 58, "second": 24}
